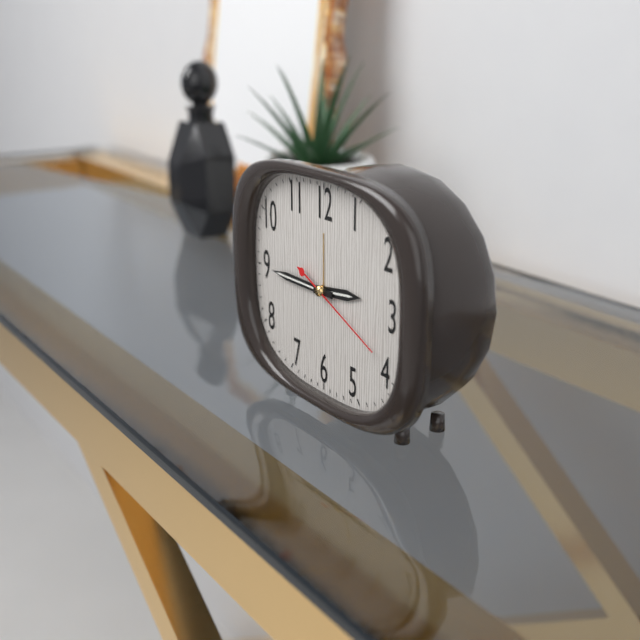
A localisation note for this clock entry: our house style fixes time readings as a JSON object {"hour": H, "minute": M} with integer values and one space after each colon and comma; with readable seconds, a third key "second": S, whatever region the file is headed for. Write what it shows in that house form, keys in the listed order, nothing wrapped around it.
{"hour": 2, "minute": 45, "second": 19}
